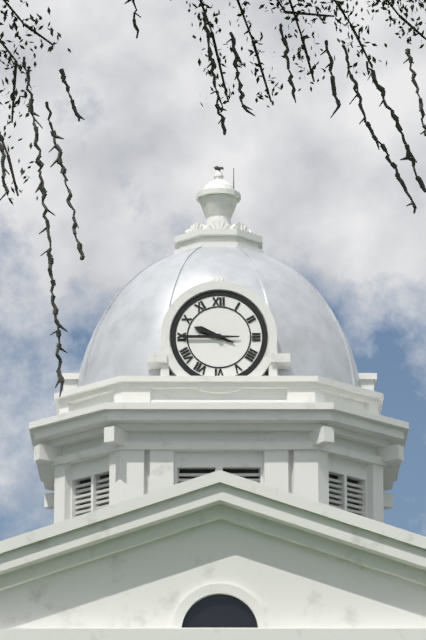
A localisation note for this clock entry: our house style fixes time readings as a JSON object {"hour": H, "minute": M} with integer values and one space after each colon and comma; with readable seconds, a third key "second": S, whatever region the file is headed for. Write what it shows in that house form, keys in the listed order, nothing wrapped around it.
{"hour": 9, "minute": 45}
